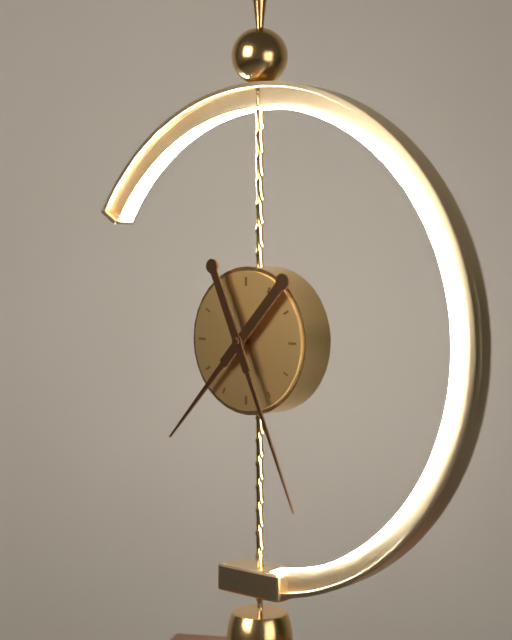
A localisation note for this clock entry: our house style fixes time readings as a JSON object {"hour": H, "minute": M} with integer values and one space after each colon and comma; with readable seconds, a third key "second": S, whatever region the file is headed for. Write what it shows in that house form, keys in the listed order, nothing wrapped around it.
{"hour": 7, "minute": 26}
